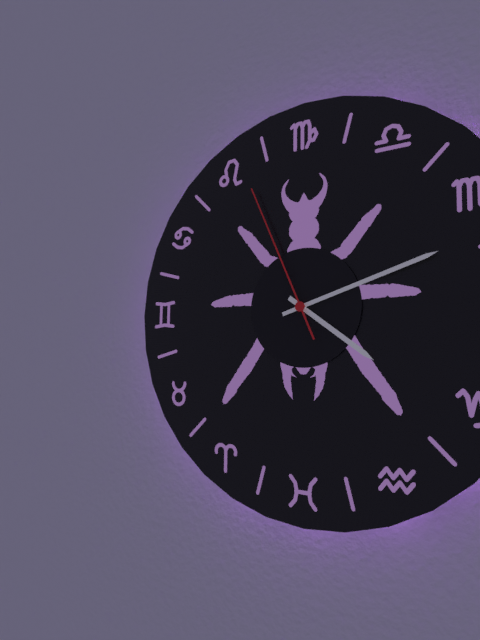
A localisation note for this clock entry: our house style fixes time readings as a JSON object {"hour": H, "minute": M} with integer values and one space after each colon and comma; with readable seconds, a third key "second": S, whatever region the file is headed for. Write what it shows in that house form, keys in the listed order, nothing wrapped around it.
{"hour": 4, "minute": 12, "second": 56}
